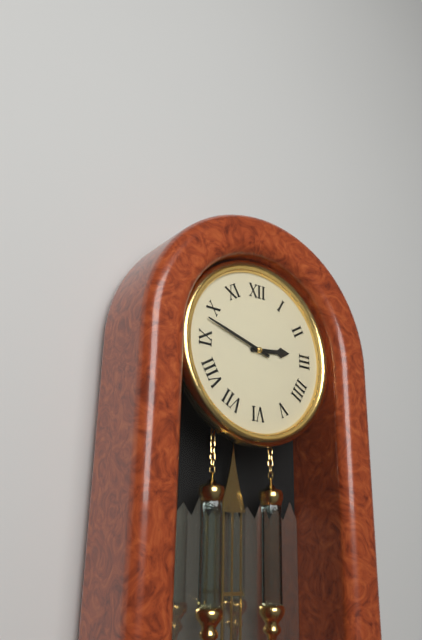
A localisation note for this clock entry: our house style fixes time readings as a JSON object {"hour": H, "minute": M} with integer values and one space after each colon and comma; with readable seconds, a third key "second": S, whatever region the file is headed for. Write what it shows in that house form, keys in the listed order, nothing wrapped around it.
{"hour": 2, "minute": 48}
